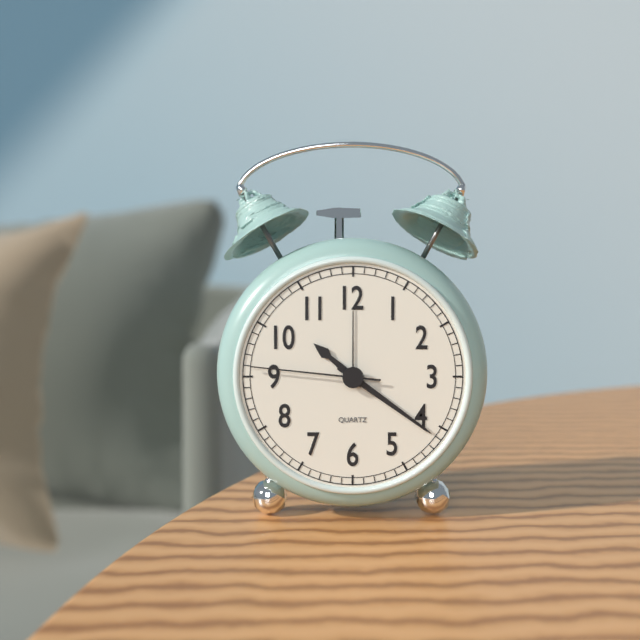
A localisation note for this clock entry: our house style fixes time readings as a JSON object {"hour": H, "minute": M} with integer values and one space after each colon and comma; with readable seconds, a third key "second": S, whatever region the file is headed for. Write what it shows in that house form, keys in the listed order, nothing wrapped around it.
{"hour": 10, "minute": 21, "second": 46}
